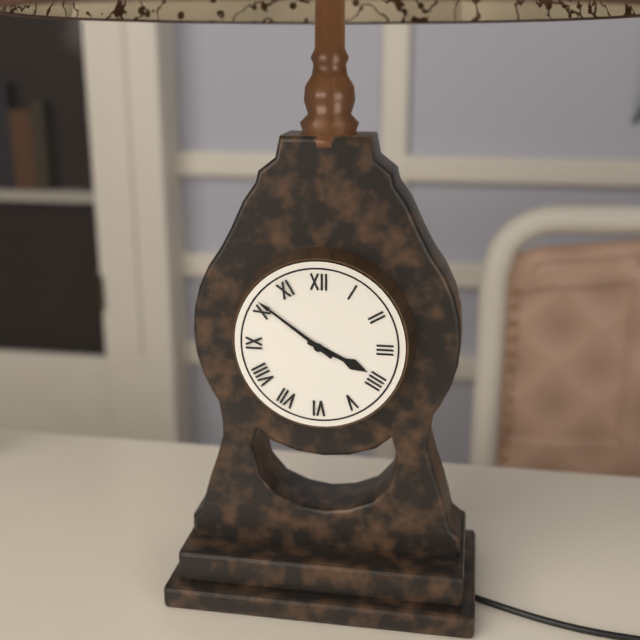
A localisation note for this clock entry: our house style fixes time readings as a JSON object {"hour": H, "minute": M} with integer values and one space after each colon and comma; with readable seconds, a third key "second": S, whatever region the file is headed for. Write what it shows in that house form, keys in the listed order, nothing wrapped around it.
{"hour": 3, "minute": 51}
